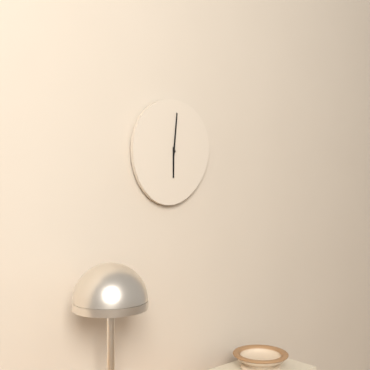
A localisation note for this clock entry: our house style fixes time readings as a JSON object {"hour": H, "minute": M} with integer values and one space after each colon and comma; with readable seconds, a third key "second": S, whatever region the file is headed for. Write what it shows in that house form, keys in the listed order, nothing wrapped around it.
{"hour": 6, "minute": 1}
